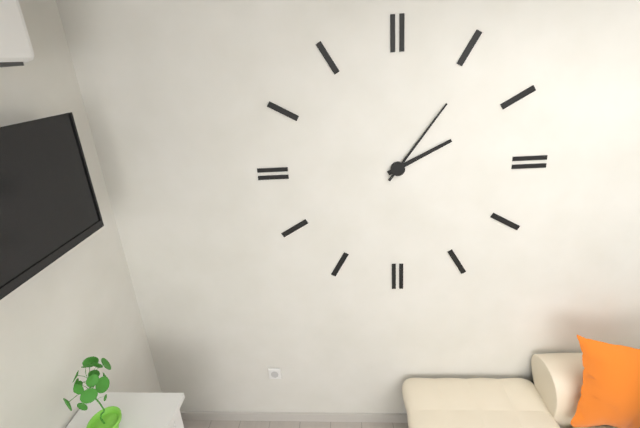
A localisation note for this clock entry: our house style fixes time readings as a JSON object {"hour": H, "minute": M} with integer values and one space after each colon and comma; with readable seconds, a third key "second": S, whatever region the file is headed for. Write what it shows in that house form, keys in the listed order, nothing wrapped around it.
{"hour": 2, "minute": 6}
